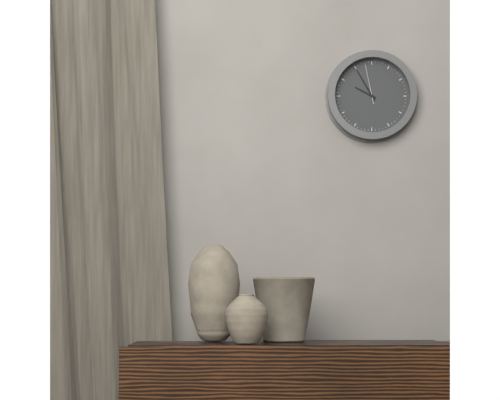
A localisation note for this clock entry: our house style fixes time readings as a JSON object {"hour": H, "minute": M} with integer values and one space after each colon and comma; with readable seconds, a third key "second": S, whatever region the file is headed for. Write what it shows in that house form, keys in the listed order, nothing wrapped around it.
{"hour": 9, "minute": 55}
